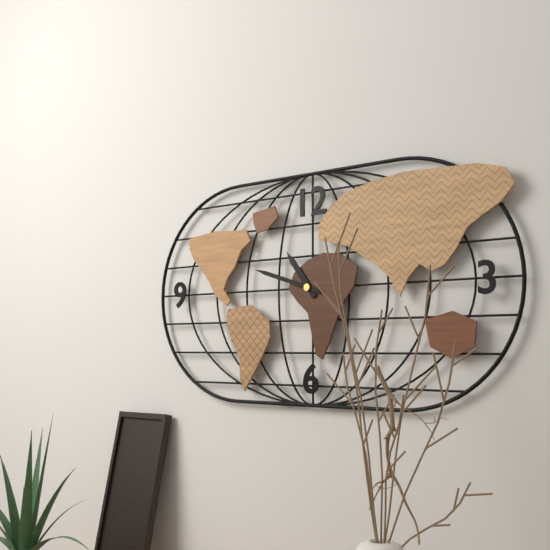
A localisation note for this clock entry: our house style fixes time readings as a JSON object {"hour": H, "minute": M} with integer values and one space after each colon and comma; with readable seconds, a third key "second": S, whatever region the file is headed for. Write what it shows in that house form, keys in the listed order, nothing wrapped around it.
{"hour": 10, "minute": 48}
